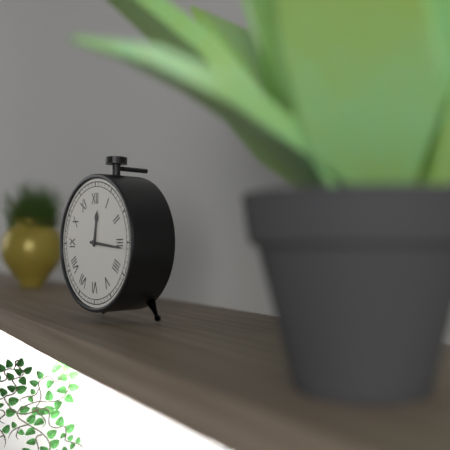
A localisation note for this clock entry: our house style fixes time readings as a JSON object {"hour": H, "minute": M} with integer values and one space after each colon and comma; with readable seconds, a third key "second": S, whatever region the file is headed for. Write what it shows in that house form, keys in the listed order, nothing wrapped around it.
{"hour": 12, "minute": 16}
